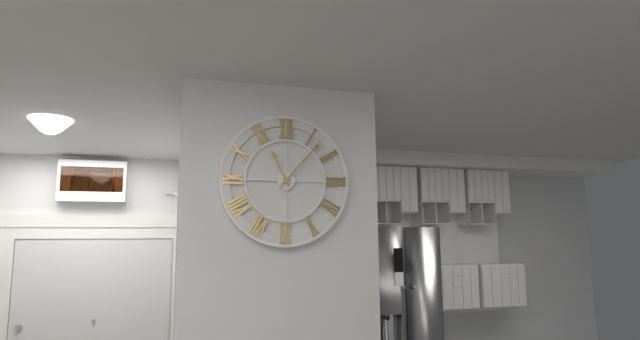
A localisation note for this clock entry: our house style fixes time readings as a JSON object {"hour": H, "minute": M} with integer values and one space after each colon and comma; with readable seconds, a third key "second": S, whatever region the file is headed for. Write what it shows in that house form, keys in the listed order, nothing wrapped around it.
{"hour": 11, "minute": 7}
